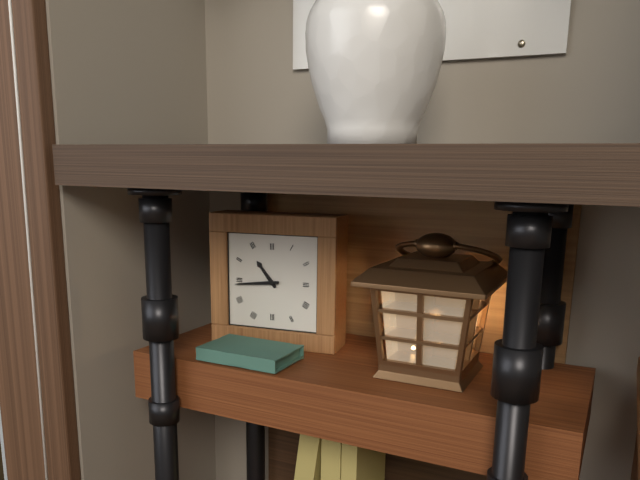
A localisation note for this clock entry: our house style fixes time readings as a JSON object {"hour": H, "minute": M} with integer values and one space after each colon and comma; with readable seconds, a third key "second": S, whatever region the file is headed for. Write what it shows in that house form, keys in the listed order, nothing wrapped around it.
{"hour": 10, "minute": 44}
